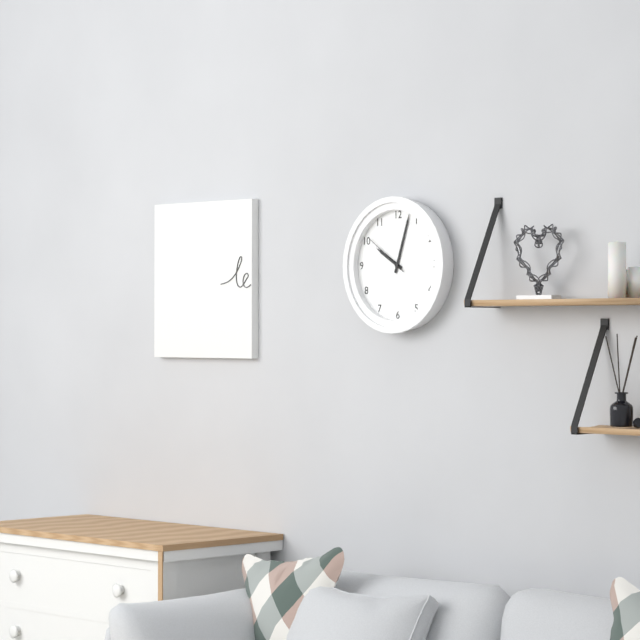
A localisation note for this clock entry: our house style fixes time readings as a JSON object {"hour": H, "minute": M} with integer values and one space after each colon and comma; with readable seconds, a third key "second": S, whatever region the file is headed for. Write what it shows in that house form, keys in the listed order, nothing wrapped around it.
{"hour": 10, "minute": 3}
